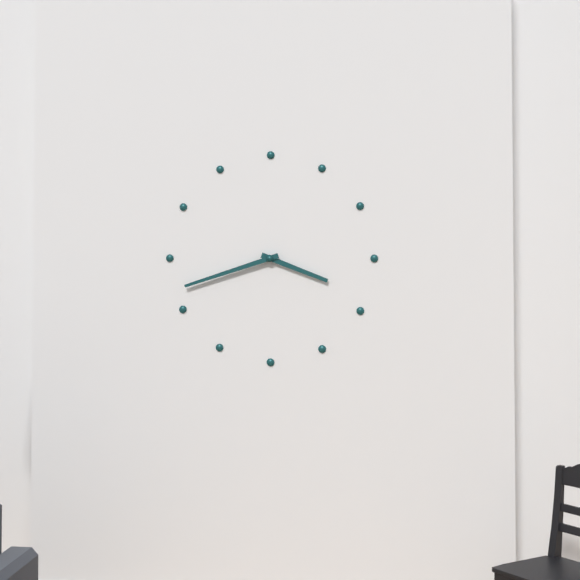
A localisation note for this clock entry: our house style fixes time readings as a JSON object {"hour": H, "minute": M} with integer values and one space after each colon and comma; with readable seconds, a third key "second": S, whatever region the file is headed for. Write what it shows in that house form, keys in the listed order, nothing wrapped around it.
{"hour": 3, "minute": 42}
